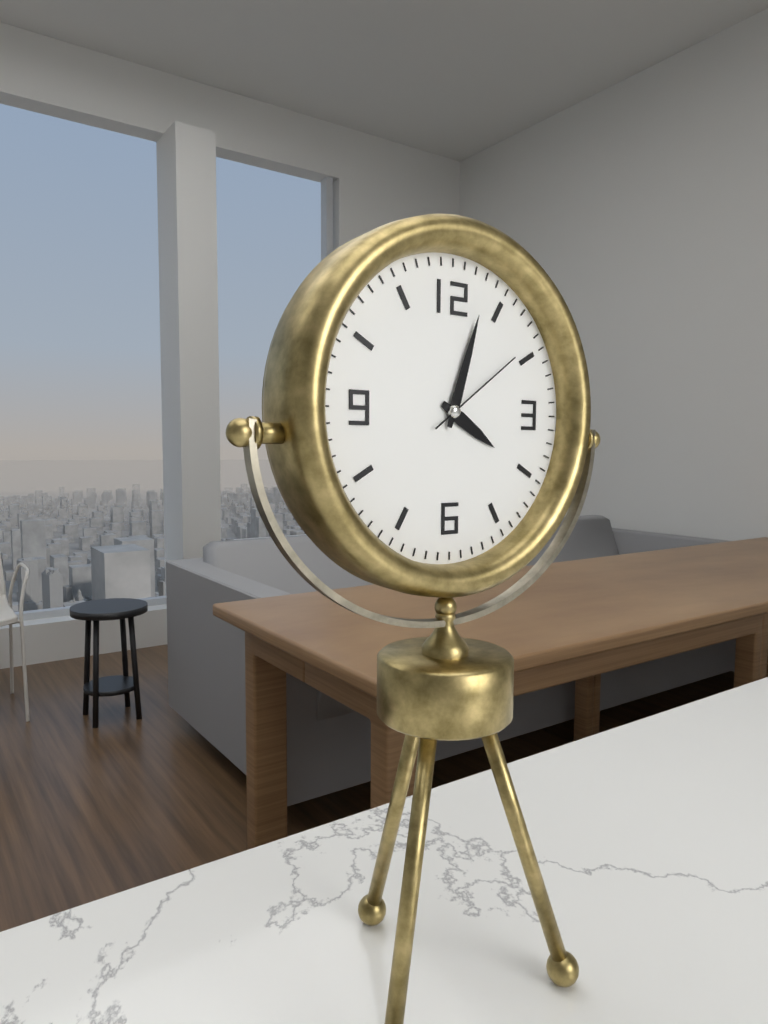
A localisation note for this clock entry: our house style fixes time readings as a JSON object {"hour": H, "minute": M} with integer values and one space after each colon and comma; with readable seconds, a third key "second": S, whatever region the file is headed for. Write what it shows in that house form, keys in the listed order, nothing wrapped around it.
{"hour": 4, "minute": 3, "second": 9}
